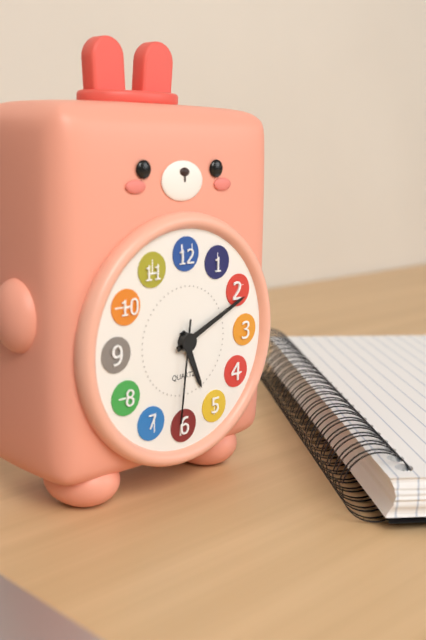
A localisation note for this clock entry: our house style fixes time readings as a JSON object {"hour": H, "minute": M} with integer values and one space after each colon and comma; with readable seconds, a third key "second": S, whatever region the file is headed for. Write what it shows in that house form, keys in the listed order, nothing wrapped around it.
{"hour": 5, "minute": 11, "second": 31}
